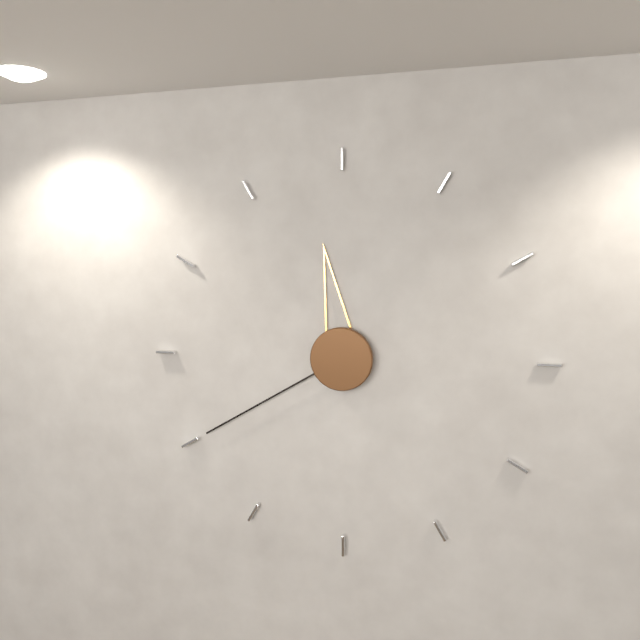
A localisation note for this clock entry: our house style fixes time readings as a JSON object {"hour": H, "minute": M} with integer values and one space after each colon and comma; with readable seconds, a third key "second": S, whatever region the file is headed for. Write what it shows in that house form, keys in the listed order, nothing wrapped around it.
{"hour": 11, "minute": 40}
